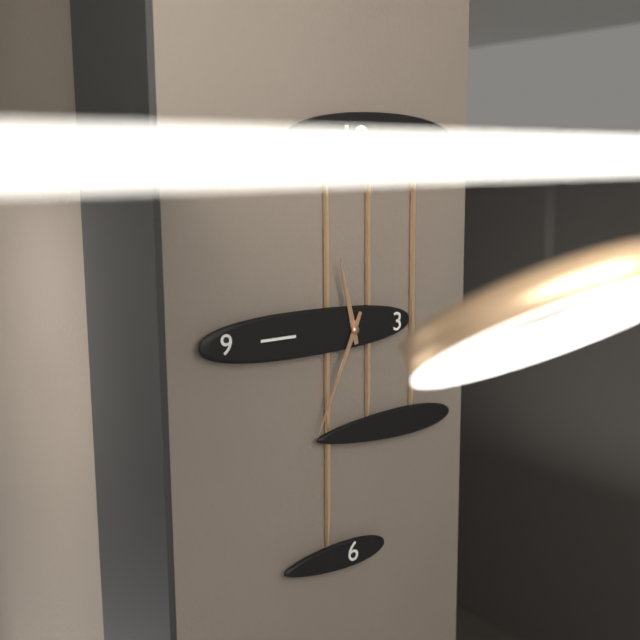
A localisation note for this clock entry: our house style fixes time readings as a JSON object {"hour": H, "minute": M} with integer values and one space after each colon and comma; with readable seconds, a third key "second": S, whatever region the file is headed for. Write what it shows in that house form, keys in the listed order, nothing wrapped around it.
{"hour": 11, "minute": 34}
